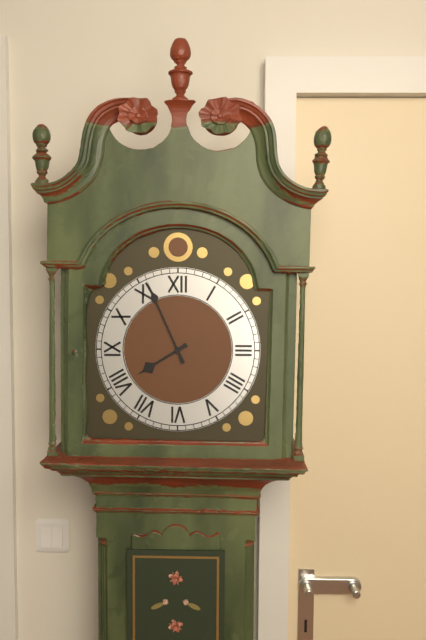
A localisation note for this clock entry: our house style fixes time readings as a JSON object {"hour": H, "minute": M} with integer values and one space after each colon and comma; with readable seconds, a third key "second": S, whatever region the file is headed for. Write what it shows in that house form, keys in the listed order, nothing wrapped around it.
{"hour": 7, "minute": 56}
